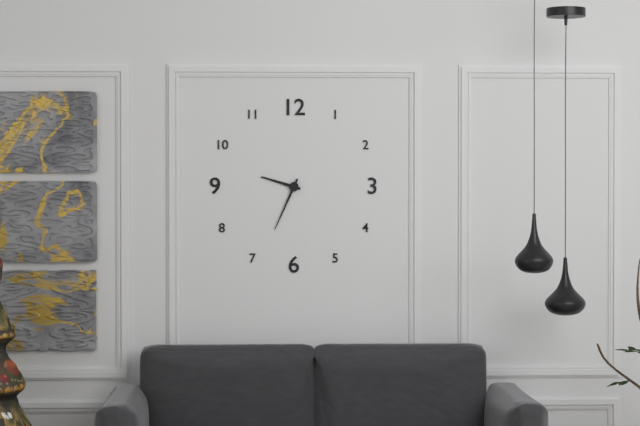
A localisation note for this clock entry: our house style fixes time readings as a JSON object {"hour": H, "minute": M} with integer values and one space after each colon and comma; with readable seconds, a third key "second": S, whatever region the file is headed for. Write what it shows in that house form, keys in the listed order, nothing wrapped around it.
{"hour": 9, "minute": 34}
